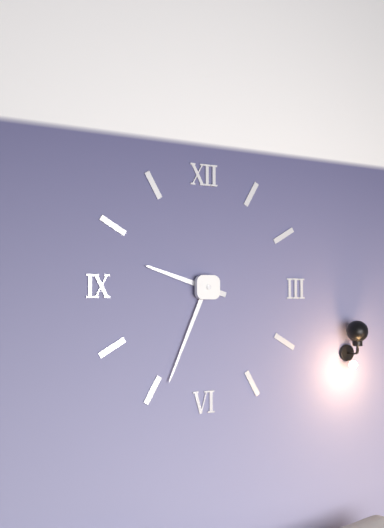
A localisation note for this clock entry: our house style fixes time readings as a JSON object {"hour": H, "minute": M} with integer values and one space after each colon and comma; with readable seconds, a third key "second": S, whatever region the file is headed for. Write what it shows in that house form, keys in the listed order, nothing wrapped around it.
{"hour": 9, "minute": 34}
